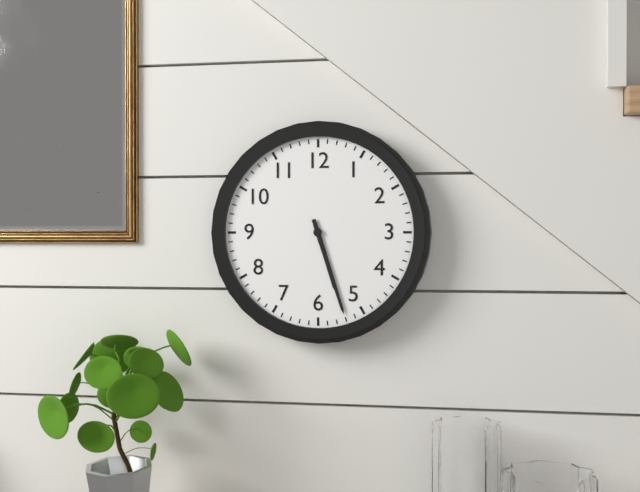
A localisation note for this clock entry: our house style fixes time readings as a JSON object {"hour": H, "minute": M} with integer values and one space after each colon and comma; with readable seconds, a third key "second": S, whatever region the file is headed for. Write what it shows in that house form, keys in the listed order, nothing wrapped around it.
{"hour": 5, "minute": 27}
